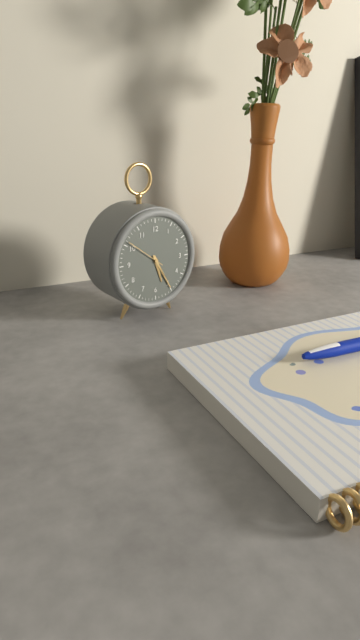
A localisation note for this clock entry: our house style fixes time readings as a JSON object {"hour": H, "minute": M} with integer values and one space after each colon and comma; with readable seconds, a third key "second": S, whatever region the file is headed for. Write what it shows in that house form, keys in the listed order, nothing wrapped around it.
{"hour": 5, "minute": 25}
